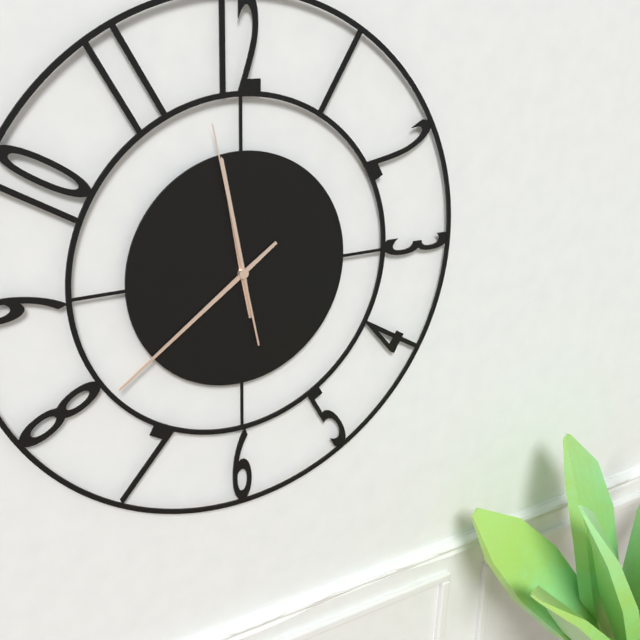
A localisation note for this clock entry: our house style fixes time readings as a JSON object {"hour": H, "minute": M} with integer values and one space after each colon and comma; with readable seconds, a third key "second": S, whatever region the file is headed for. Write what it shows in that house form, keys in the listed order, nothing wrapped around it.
{"hour": 11, "minute": 39, "second": 58}
